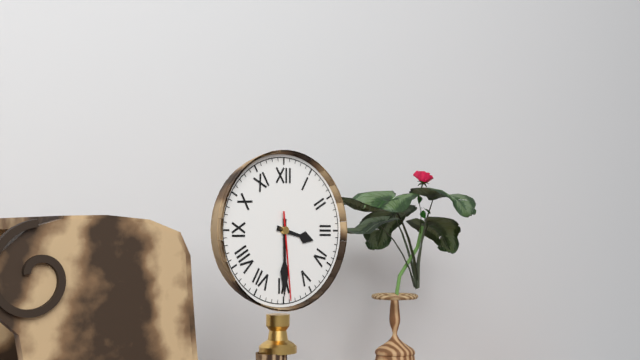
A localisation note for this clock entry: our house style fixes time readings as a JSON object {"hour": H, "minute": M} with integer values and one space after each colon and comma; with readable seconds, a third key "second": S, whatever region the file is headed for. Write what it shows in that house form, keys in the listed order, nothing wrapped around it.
{"hour": 3, "minute": 30, "second": 29}
